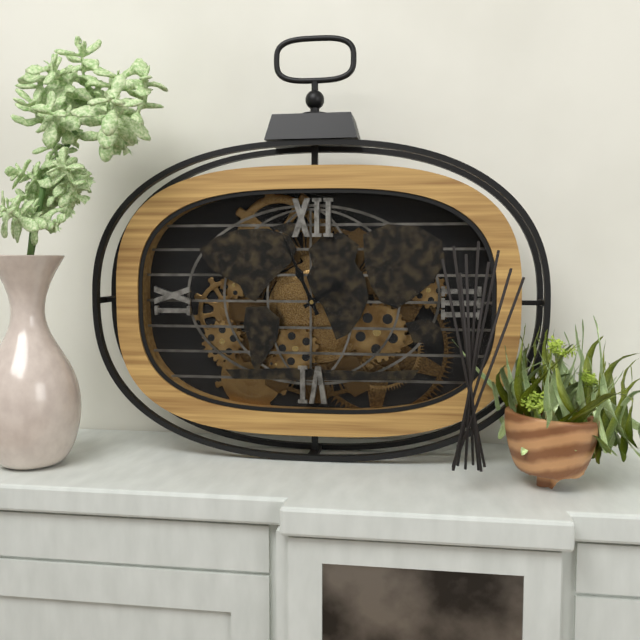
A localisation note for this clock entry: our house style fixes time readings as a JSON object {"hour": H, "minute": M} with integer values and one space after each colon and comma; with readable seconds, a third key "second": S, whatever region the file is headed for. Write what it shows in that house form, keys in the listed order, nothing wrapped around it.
{"hour": 1, "minute": 56}
